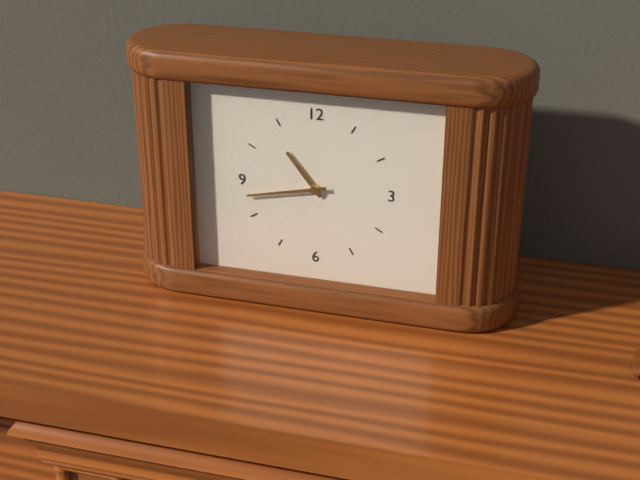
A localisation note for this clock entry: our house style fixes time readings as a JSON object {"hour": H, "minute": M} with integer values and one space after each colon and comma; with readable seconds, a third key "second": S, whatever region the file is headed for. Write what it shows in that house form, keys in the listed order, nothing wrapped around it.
{"hour": 10, "minute": 43}
